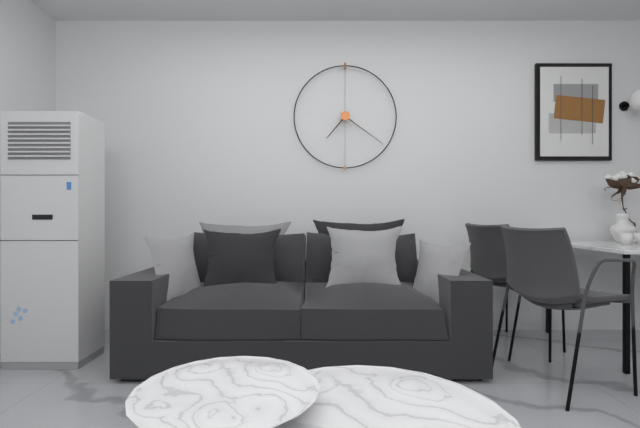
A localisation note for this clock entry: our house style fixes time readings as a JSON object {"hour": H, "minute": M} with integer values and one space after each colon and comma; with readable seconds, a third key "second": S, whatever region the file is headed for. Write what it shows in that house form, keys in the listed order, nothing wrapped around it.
{"hour": 7, "minute": 21}
